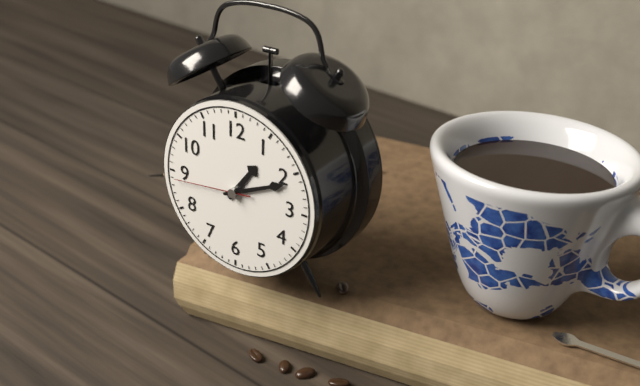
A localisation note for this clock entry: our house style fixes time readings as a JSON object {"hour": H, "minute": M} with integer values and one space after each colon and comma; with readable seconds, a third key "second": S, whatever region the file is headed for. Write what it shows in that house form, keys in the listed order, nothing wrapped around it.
{"hour": 1, "minute": 11, "second": 44}
